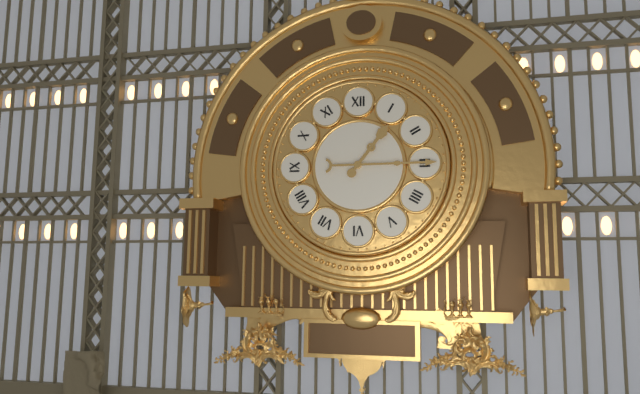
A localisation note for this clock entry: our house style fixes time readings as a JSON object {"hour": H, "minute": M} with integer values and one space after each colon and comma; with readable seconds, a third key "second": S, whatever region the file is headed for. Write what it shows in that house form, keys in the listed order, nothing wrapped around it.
{"hour": 1, "minute": 15}
